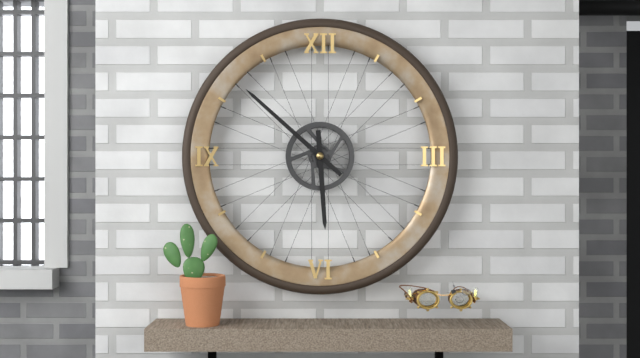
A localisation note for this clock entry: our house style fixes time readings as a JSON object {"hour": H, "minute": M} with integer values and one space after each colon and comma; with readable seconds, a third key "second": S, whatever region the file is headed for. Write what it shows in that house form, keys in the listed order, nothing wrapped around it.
{"hour": 5, "minute": 52}
